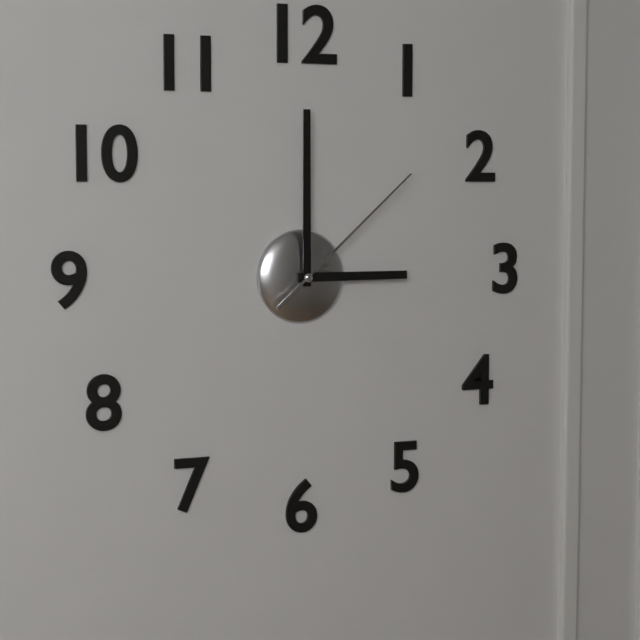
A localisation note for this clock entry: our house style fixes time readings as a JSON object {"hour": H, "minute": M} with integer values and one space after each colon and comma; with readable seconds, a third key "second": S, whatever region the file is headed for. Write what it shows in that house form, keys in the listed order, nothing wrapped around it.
{"hour": 3, "minute": 0, "second": 8}
